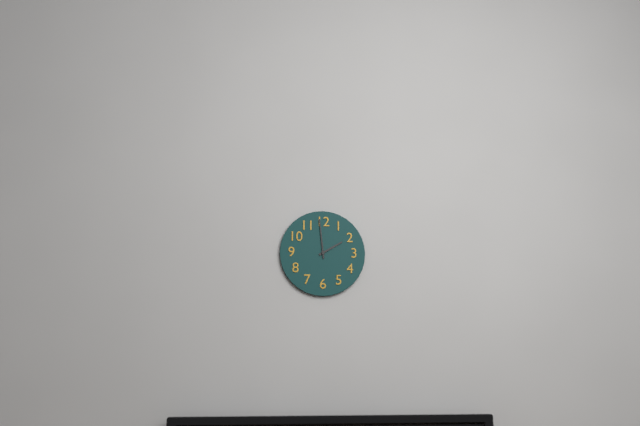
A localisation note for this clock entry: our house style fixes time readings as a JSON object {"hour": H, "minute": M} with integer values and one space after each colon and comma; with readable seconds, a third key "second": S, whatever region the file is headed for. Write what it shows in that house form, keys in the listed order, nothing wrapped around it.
{"hour": 1, "minute": 59}
